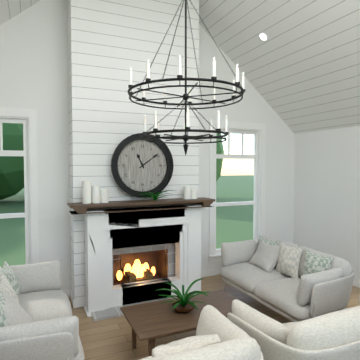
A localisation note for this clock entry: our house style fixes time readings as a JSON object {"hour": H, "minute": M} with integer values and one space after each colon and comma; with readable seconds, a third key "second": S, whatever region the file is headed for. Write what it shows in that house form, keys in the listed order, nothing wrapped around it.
{"hour": 11, "minute": 9}
